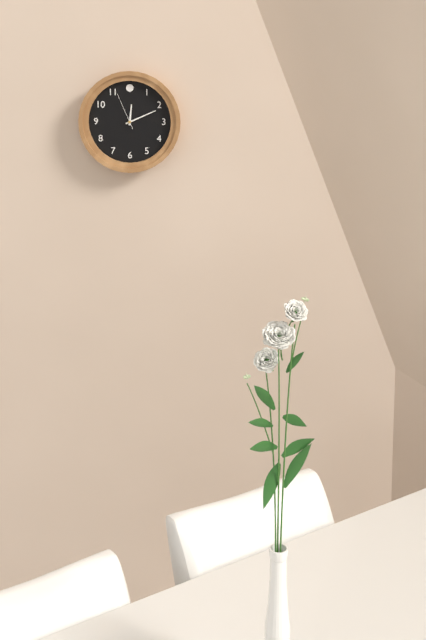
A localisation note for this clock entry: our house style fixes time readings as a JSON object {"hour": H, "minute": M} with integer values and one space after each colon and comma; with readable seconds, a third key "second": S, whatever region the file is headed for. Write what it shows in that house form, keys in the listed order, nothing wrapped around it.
{"hour": 12, "minute": 11}
